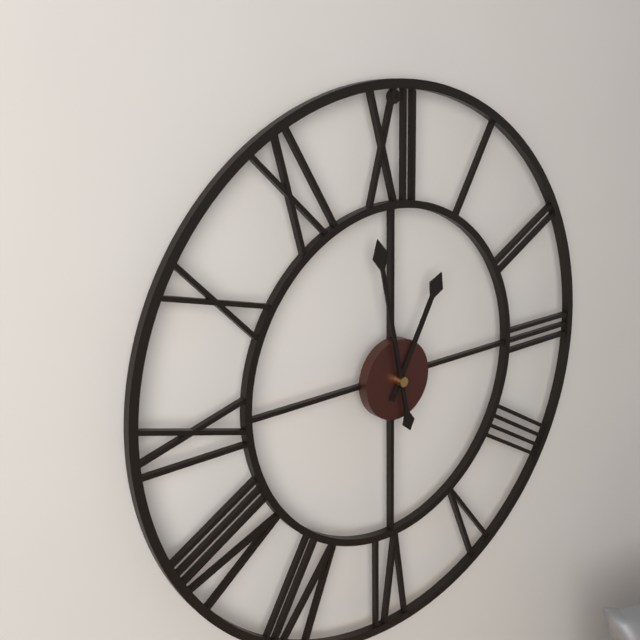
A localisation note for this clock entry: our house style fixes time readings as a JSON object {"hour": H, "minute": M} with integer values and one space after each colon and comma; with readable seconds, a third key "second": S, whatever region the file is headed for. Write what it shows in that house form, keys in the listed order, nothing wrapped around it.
{"hour": 12, "minute": 58}
